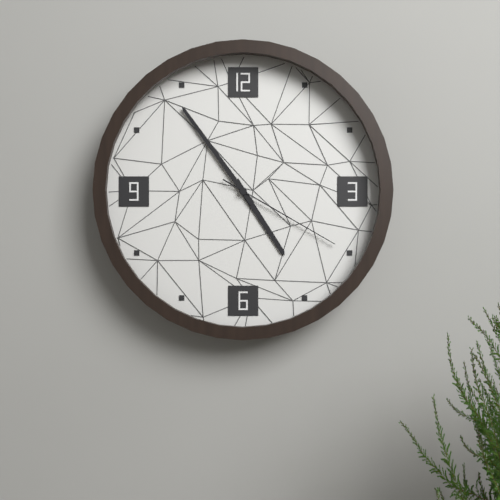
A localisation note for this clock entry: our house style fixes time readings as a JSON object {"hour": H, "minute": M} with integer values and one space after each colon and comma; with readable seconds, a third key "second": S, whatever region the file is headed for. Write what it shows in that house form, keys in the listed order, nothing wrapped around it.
{"hour": 4, "minute": 54, "second": 20}
